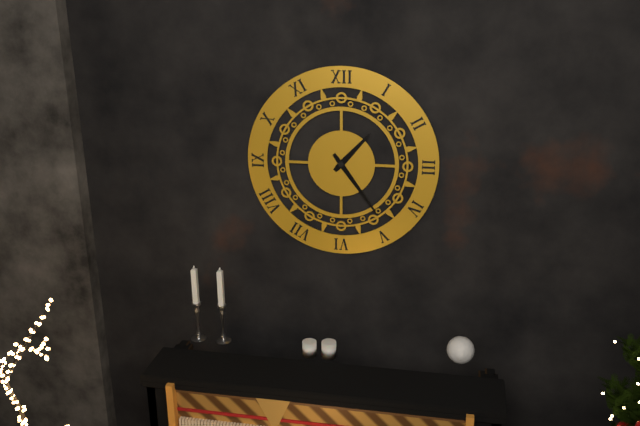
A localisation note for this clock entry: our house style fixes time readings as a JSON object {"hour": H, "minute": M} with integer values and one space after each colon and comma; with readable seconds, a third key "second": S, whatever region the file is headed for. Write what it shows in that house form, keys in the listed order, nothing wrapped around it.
{"hour": 1, "minute": 24}
